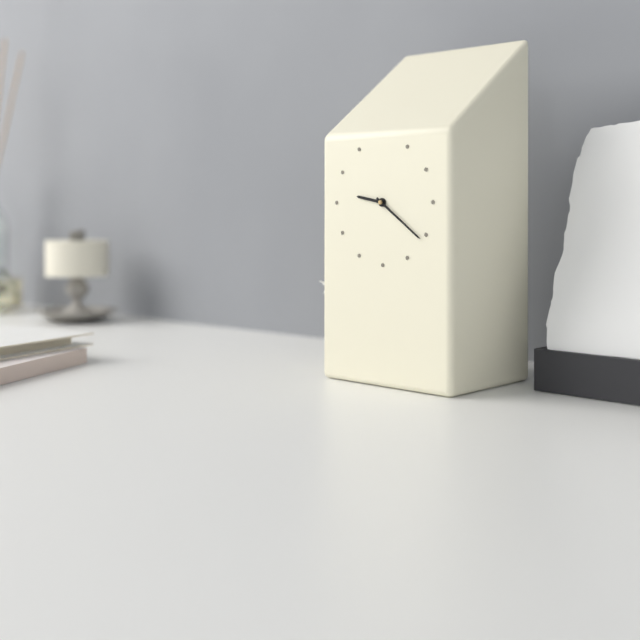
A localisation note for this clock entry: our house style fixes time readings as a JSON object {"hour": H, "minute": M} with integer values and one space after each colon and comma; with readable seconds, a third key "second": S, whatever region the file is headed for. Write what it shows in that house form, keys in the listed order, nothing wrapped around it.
{"hour": 9, "minute": 21}
